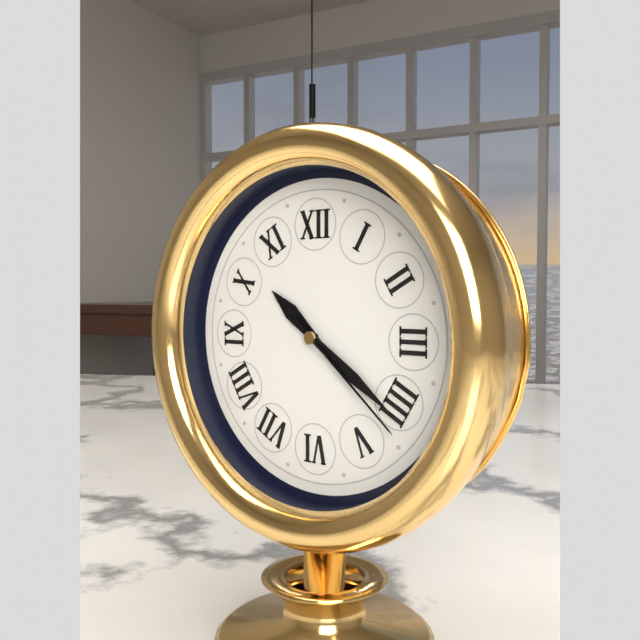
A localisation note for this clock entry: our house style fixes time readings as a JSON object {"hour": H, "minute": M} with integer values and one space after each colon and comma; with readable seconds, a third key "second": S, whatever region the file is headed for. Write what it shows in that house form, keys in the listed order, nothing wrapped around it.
{"hour": 10, "minute": 21, "second": 22}
